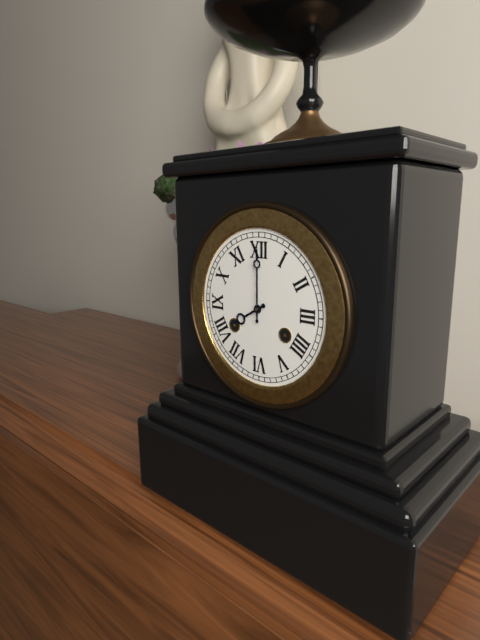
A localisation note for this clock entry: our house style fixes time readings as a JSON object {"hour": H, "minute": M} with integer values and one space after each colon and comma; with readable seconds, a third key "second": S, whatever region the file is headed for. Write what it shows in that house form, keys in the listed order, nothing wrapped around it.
{"hour": 8, "minute": 0}
